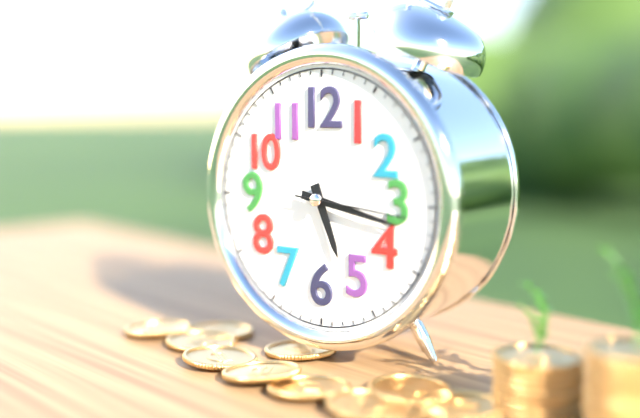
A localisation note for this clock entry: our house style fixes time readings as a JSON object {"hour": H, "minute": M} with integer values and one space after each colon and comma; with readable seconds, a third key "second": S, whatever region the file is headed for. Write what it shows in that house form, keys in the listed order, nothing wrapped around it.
{"hour": 5, "minute": 17, "second": 16}
